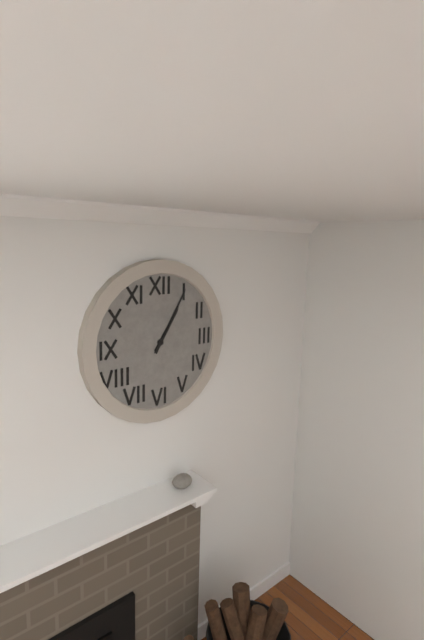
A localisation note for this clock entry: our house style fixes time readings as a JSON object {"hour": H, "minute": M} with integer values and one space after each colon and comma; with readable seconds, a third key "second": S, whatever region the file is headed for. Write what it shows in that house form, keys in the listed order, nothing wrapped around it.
{"hour": 1, "minute": 5}
